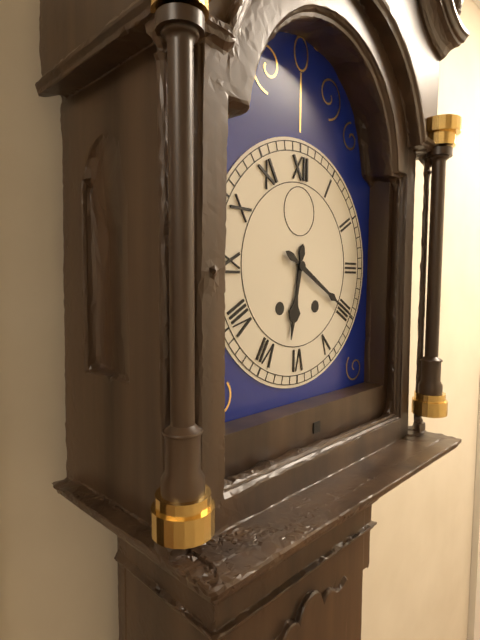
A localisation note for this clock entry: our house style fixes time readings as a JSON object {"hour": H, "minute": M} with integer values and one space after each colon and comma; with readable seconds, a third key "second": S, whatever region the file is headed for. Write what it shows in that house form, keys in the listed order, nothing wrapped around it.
{"hour": 6, "minute": 20}
